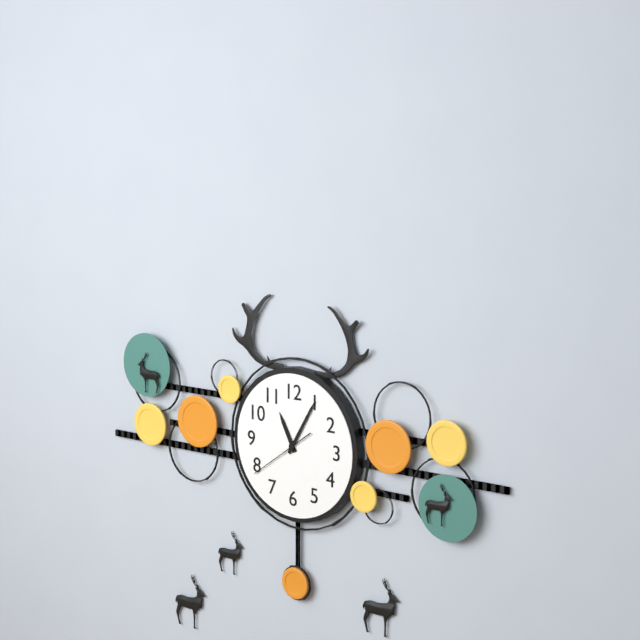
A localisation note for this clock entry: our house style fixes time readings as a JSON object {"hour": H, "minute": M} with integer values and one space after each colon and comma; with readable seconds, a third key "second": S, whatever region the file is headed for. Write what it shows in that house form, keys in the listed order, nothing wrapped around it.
{"hour": 11, "minute": 5, "second": 39}
